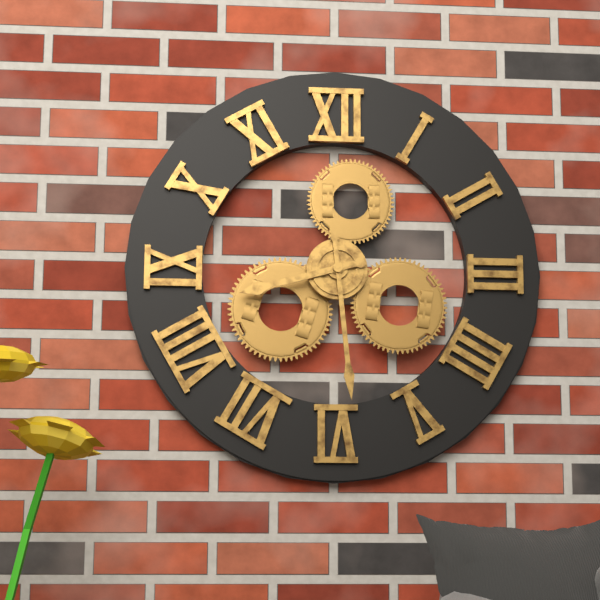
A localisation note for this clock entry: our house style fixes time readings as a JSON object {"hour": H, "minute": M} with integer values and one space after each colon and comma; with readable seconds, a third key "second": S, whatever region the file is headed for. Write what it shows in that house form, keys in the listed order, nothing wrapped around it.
{"hour": 8, "minute": 29}
